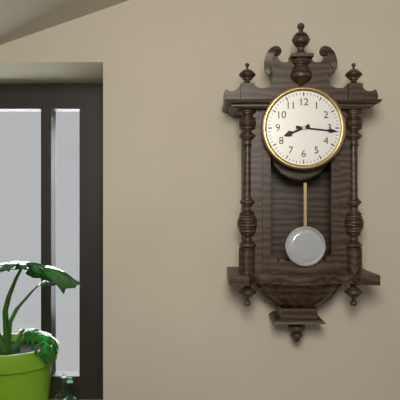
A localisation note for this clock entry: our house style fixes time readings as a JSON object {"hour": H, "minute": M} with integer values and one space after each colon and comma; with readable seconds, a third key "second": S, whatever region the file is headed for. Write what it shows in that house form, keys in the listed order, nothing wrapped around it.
{"hour": 8, "minute": 16}
